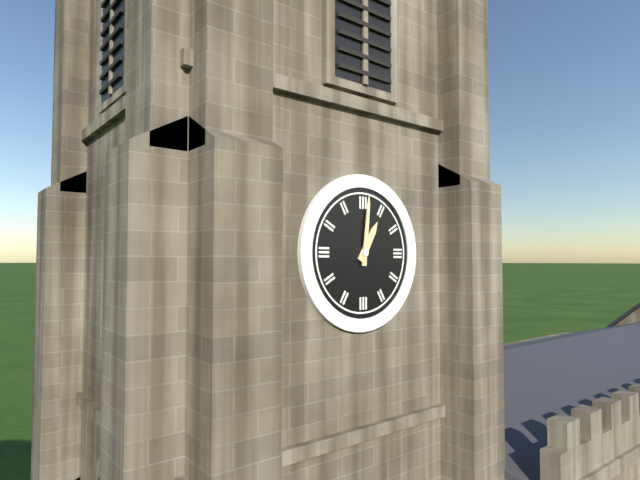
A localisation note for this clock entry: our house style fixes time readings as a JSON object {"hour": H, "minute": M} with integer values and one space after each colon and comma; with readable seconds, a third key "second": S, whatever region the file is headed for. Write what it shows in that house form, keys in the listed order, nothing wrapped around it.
{"hour": 1, "minute": 1}
